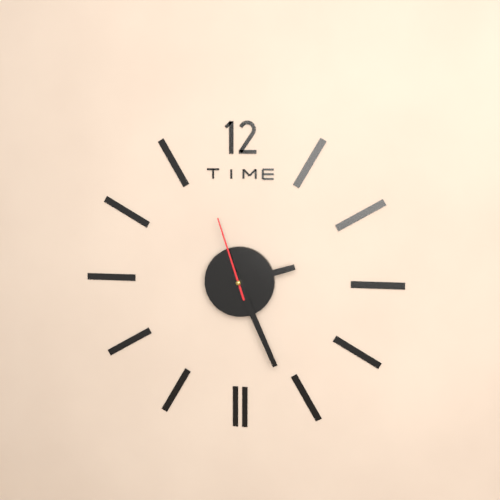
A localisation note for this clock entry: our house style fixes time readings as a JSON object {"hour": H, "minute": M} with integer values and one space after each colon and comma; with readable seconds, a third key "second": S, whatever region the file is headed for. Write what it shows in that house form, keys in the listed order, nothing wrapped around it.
{"hour": 2, "minute": 26, "second": 57}
